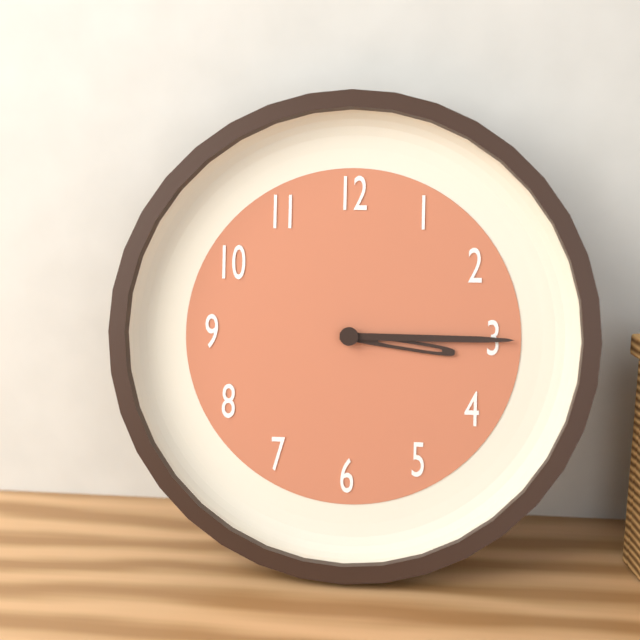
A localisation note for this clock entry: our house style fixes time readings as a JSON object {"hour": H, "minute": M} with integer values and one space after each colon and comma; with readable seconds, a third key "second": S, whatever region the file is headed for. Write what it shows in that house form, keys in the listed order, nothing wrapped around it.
{"hour": 3, "minute": 15}
